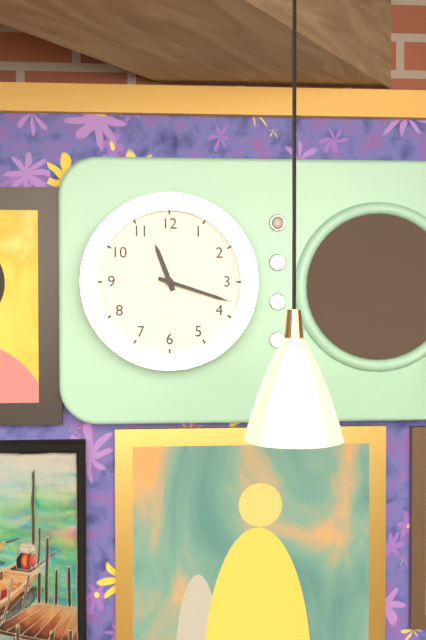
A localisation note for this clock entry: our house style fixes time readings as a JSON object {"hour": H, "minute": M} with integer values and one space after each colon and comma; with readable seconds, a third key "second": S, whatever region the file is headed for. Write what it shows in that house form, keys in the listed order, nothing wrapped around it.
{"hour": 11, "minute": 18}
